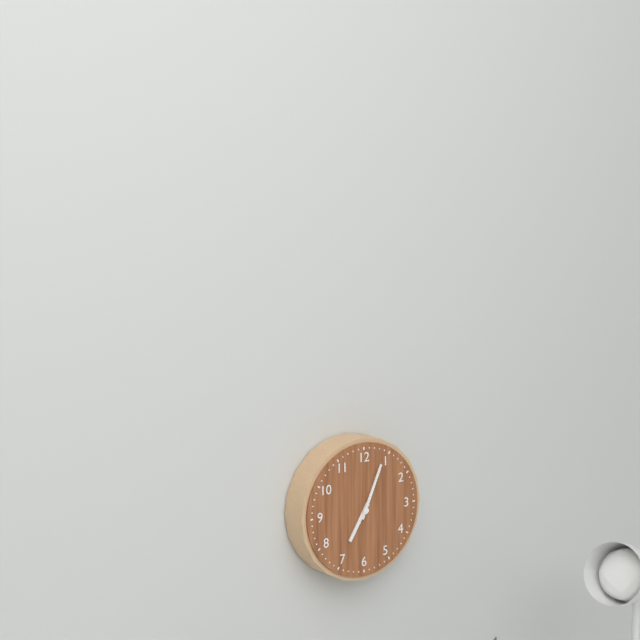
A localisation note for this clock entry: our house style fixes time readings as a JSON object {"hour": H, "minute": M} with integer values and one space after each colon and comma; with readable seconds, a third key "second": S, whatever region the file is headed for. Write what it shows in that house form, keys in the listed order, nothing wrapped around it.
{"hour": 7, "minute": 4}
